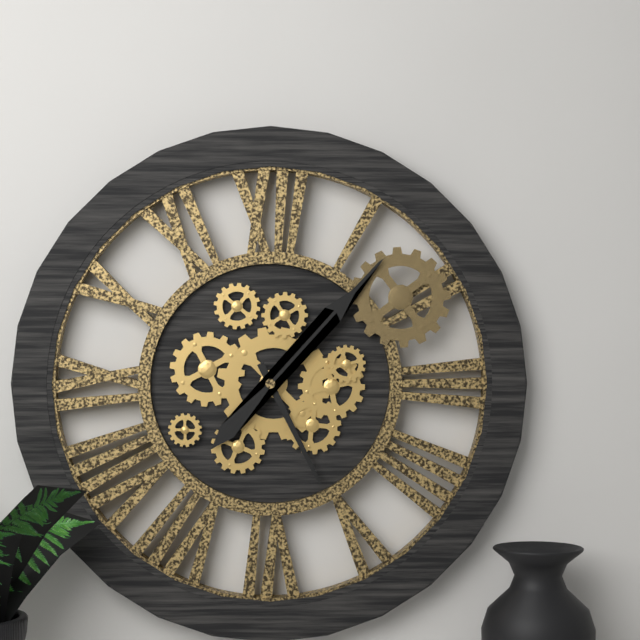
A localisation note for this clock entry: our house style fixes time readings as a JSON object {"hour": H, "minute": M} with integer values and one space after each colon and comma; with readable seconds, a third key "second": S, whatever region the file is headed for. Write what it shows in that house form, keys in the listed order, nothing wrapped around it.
{"hour": 5, "minute": 7}
